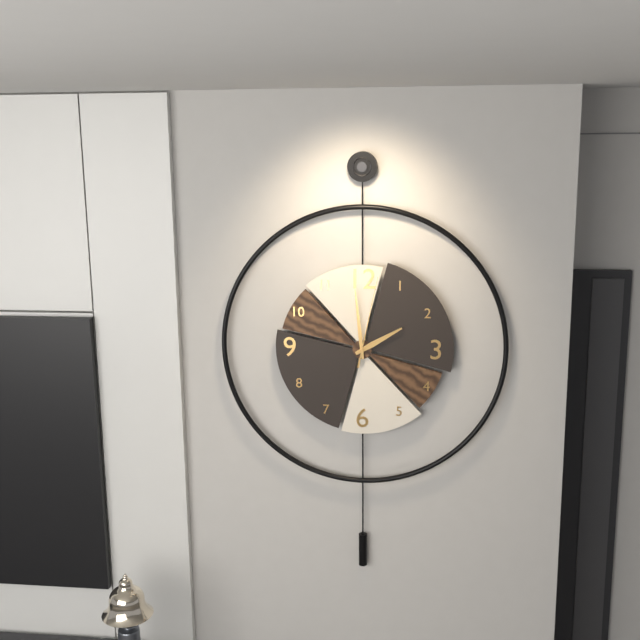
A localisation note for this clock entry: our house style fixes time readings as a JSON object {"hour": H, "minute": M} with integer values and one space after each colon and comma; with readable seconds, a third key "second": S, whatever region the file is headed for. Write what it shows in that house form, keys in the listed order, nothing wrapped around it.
{"hour": 1, "minute": 59, "second": 2}
